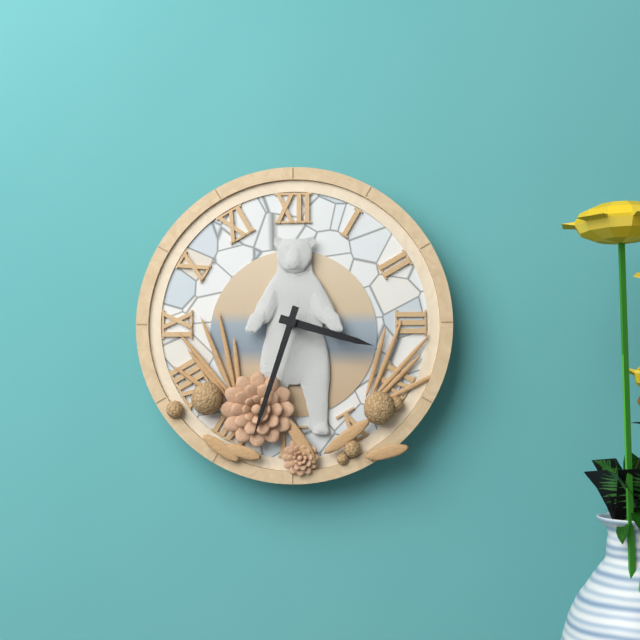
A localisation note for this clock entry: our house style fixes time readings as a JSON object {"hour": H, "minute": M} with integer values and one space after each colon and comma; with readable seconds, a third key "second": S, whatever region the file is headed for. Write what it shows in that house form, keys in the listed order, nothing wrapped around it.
{"hour": 3, "minute": 33}
